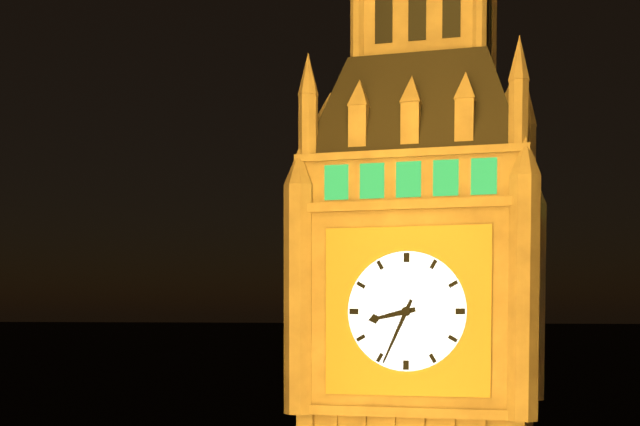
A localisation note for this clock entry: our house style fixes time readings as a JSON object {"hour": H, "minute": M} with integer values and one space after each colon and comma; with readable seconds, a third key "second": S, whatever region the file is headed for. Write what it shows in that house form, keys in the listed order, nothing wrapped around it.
{"hour": 8, "minute": 34}
